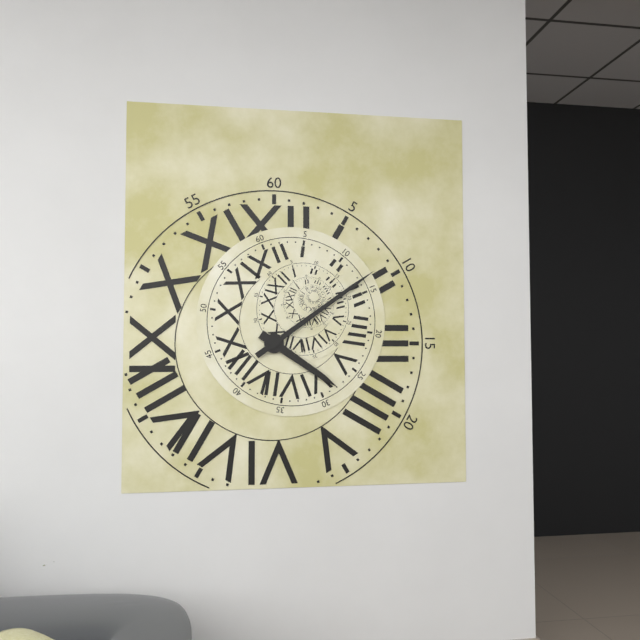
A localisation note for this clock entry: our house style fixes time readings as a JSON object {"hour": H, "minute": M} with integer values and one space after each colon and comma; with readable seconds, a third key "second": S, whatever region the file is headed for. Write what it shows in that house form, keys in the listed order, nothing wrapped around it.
{"hour": 4, "minute": 9}
